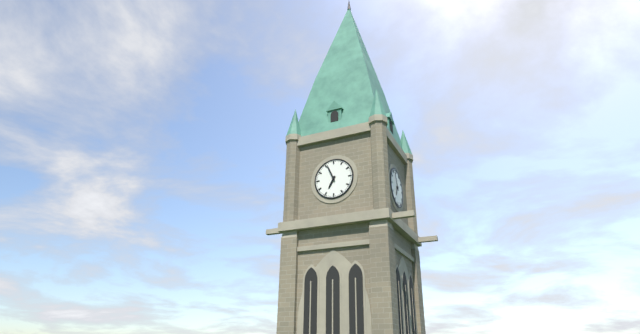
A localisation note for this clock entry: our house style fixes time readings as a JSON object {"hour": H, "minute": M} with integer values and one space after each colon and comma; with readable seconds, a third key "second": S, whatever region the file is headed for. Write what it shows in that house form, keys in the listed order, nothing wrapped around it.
{"hour": 6, "minute": 56}
